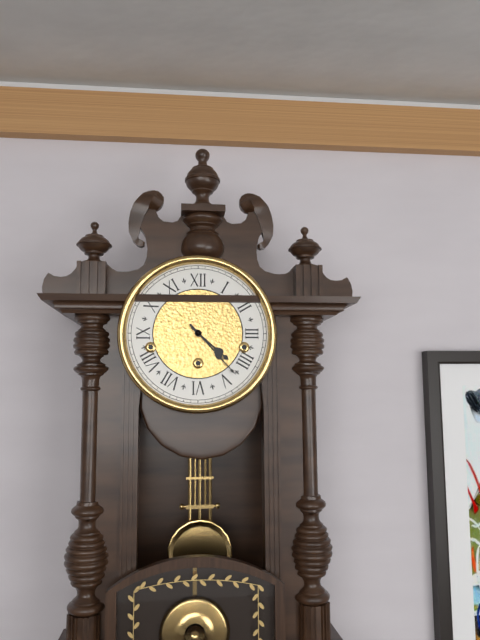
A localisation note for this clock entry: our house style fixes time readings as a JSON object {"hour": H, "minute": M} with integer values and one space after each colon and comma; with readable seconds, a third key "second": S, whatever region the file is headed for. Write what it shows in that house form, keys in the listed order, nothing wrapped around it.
{"hour": 4, "minute": 23}
